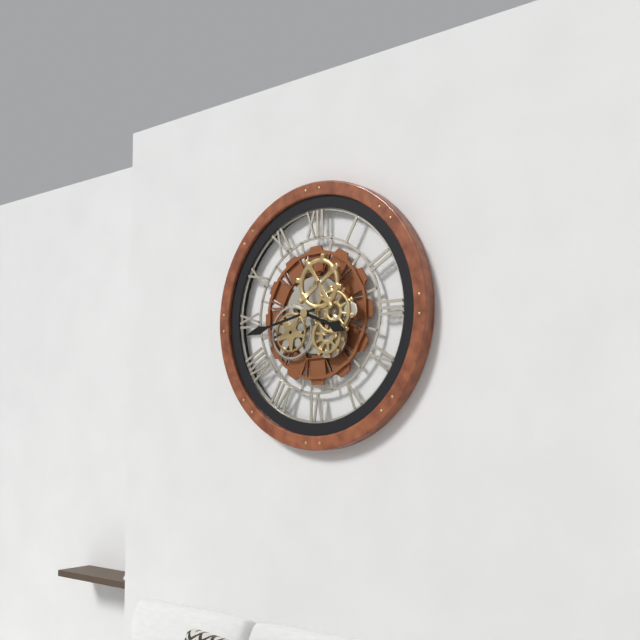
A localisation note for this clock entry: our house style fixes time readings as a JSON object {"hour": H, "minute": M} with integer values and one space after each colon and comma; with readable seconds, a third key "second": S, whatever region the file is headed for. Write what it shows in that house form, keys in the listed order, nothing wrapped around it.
{"hour": 3, "minute": 43}
